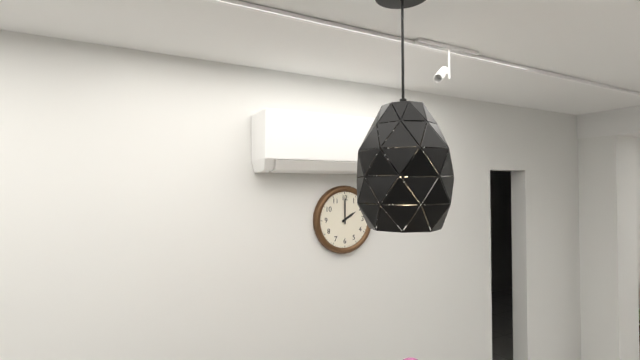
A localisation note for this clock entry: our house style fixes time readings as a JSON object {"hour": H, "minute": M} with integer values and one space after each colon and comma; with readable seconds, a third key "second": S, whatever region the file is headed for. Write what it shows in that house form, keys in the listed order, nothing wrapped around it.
{"hour": 2, "minute": 0}
